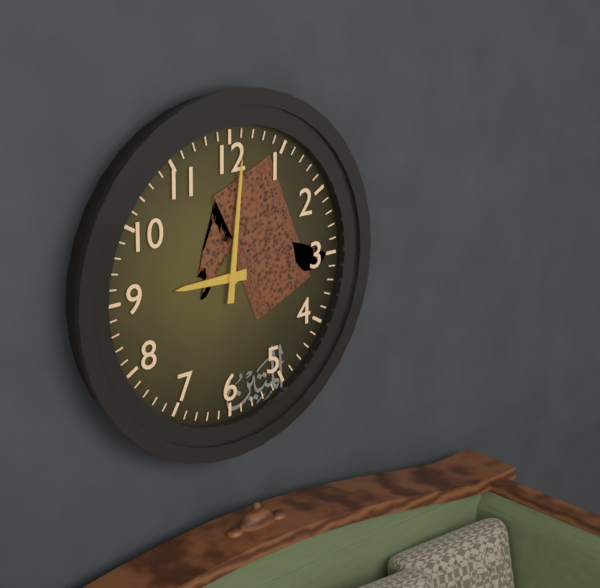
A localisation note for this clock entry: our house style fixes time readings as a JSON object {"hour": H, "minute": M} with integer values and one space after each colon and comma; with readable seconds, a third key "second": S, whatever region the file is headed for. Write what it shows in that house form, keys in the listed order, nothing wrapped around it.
{"hour": 9, "minute": 1}
